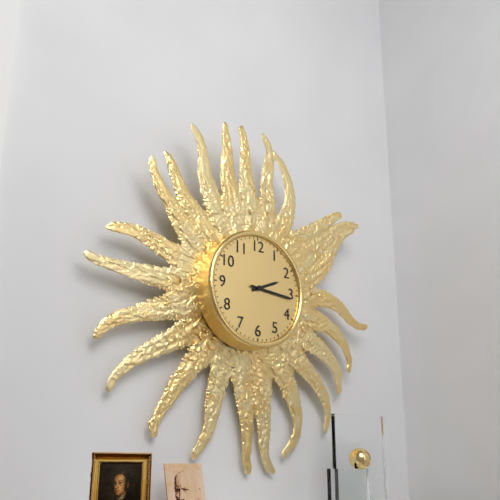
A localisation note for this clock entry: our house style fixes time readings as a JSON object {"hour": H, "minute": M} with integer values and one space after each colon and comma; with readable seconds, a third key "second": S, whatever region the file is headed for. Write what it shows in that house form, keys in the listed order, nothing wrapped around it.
{"hour": 2, "minute": 16}
